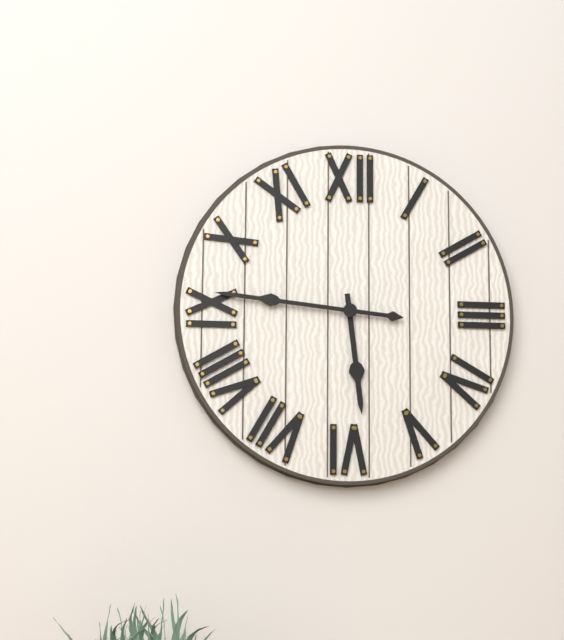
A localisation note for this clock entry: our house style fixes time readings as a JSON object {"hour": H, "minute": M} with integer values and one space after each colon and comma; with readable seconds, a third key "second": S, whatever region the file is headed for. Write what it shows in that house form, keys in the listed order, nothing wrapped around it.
{"hour": 5, "minute": 46}
